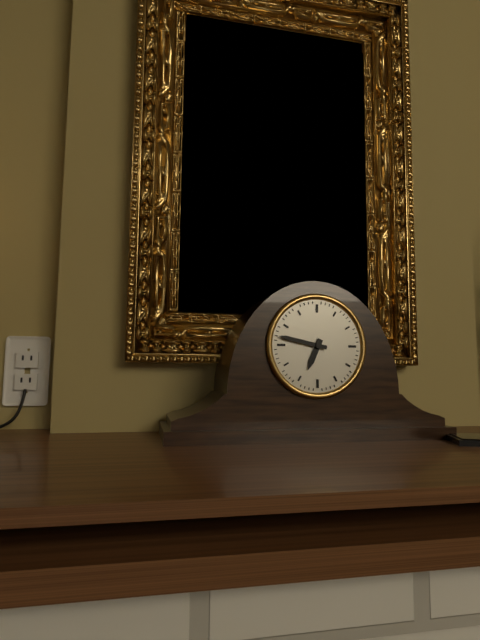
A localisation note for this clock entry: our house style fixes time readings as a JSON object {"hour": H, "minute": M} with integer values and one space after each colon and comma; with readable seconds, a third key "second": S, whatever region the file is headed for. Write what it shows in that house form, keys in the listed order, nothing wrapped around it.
{"hour": 6, "minute": 47}
